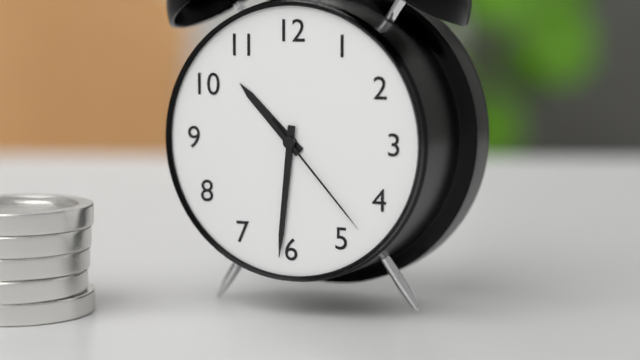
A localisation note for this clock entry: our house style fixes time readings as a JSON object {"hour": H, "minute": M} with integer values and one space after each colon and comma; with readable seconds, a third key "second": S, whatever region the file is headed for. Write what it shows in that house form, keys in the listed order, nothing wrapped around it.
{"hour": 10, "minute": 31, "second": 23}
